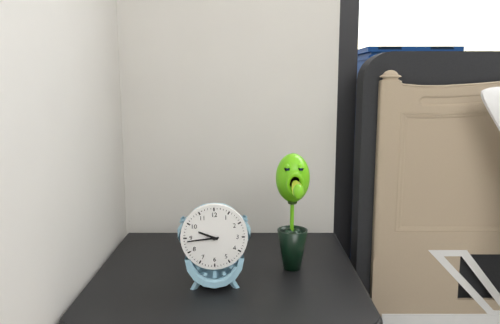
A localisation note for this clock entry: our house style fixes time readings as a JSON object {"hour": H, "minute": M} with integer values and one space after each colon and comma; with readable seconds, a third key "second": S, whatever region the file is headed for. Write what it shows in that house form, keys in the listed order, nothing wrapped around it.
{"hour": 9, "minute": 44}
